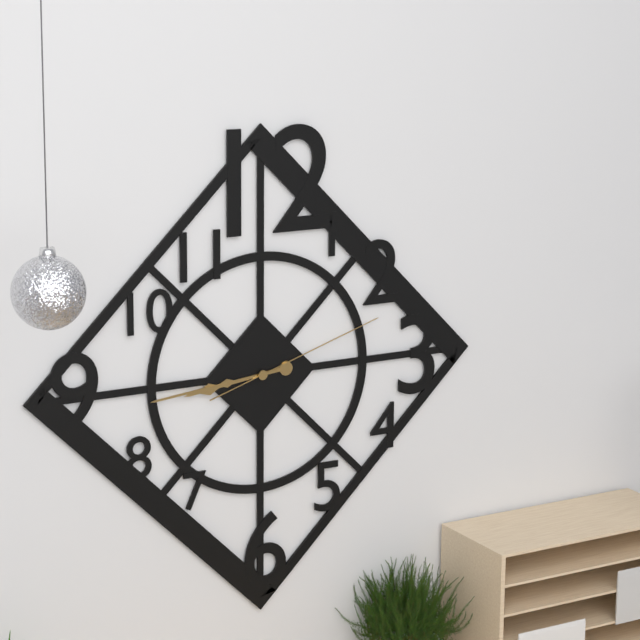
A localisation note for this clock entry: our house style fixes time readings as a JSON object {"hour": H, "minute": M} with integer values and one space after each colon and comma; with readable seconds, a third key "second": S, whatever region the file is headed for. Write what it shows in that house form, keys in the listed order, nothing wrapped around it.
{"hour": 8, "minute": 44, "second": 12}
